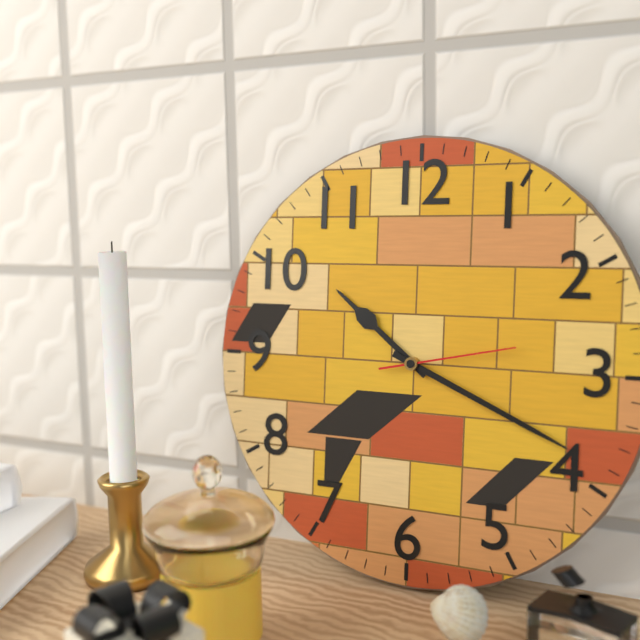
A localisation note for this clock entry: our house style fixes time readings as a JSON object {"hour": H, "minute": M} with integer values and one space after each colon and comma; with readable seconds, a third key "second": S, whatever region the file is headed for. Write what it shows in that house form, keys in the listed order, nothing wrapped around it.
{"hour": 10, "minute": 19, "second": 13}
